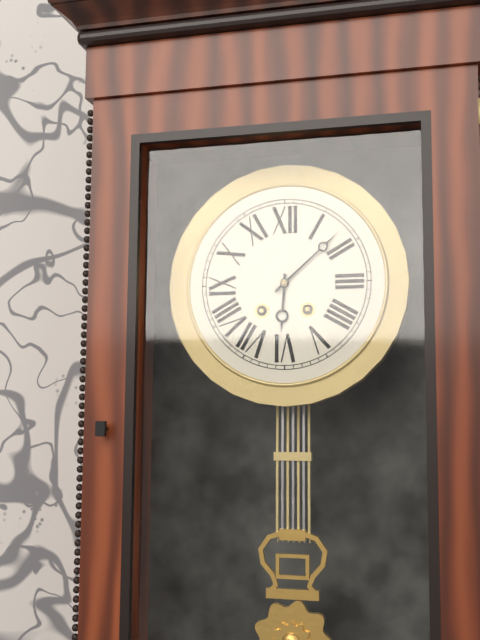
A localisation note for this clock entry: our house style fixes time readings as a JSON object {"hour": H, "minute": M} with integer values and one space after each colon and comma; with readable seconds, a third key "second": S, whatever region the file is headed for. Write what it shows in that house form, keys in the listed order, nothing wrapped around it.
{"hour": 6, "minute": 8}
